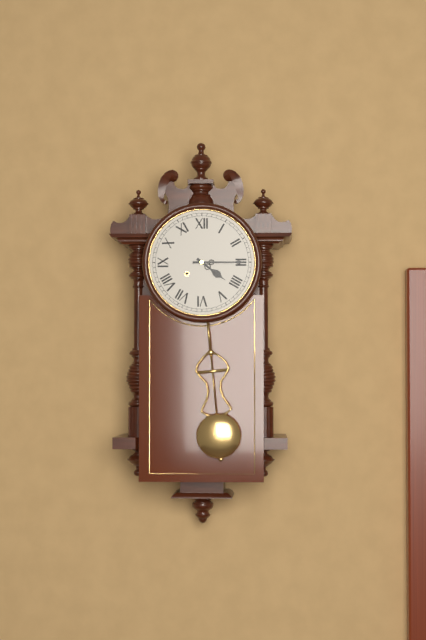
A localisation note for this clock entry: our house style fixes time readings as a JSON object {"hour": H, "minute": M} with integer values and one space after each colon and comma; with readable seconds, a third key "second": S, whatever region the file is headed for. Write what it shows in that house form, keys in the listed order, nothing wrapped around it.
{"hour": 4, "minute": 15}
